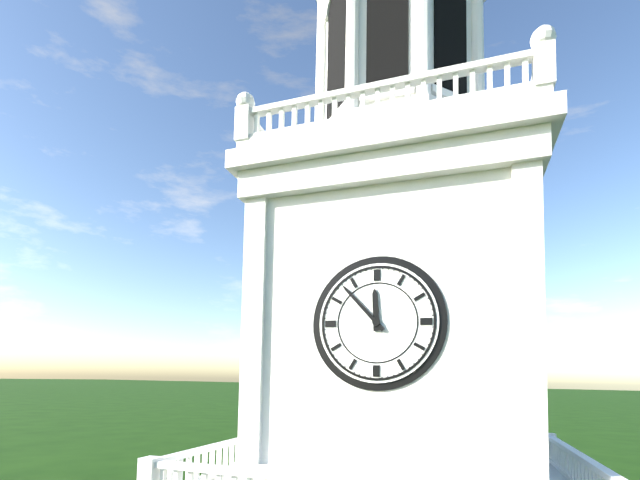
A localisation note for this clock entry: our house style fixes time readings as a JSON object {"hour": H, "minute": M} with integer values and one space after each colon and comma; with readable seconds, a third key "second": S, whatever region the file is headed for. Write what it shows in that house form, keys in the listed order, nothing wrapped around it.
{"hour": 11, "minute": 53}
